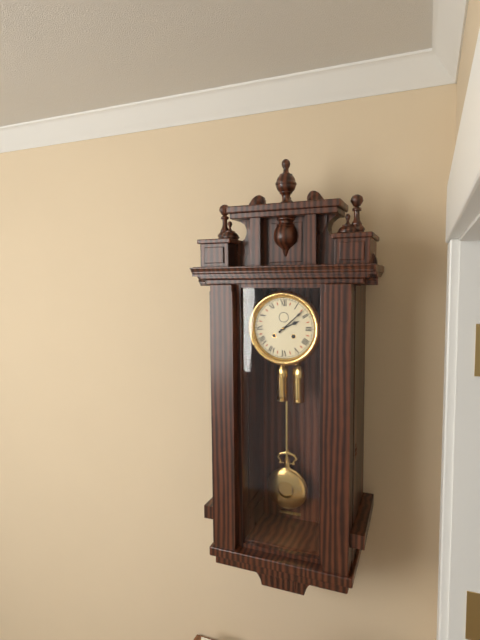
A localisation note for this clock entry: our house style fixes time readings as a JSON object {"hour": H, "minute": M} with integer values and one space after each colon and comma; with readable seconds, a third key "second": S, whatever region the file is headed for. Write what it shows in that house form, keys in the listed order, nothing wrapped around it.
{"hour": 2, "minute": 8}
